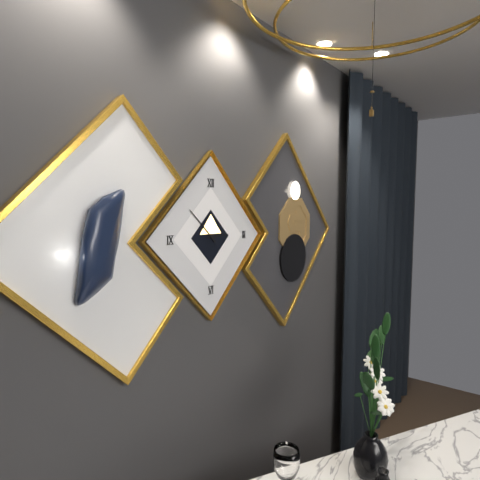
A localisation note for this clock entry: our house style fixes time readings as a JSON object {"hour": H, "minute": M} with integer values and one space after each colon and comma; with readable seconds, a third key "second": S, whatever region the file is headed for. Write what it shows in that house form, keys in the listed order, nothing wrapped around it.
{"hour": 2, "minute": 52}
